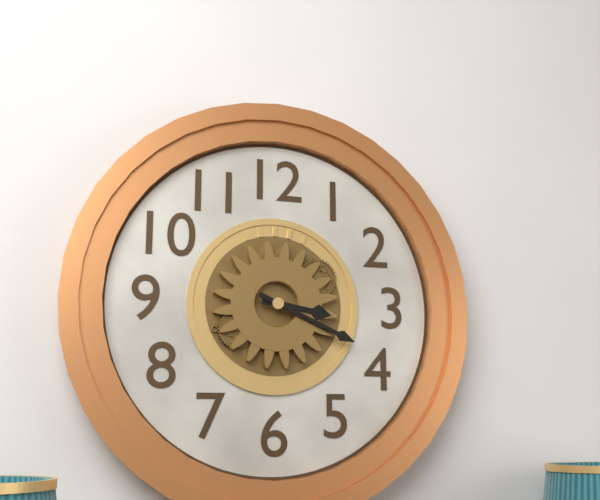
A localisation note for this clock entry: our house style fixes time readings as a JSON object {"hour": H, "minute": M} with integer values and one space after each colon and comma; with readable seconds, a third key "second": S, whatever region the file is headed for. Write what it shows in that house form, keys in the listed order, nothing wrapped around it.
{"hour": 3, "minute": 19}
